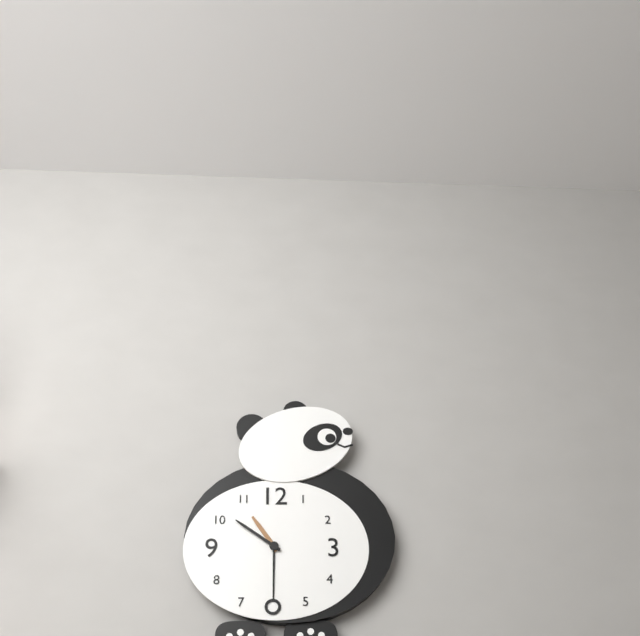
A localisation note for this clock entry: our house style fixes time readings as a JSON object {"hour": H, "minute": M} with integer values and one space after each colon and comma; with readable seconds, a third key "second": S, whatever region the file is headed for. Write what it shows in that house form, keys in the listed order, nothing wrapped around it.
{"hour": 10, "minute": 51}
